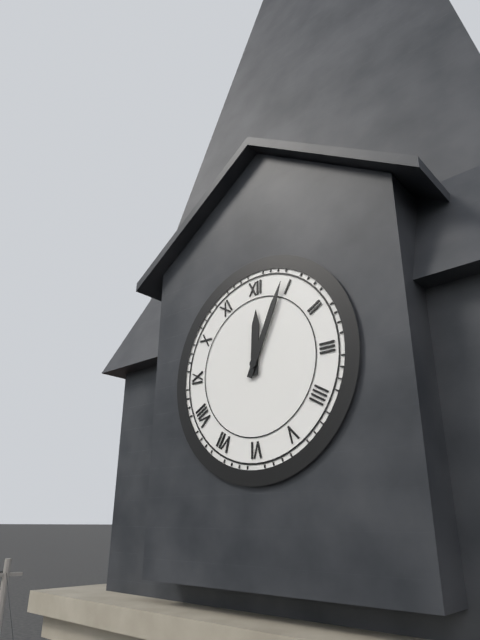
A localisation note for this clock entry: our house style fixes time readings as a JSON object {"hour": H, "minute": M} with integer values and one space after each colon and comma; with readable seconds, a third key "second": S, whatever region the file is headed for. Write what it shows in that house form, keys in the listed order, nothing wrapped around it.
{"hour": 12, "minute": 4}
